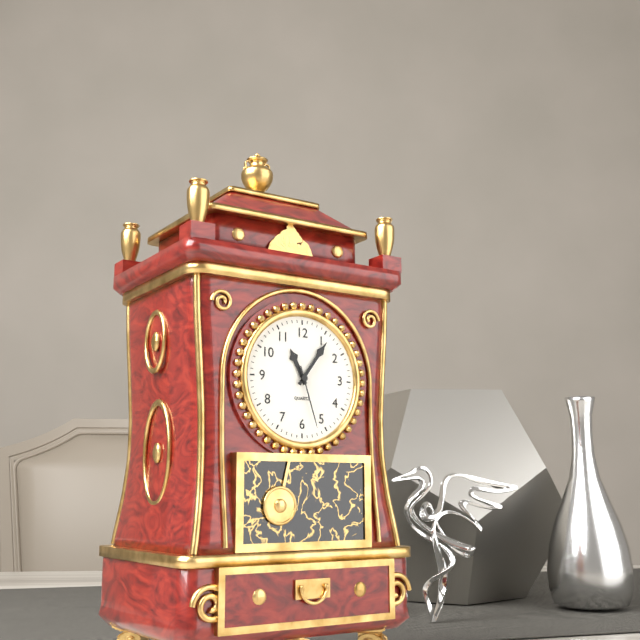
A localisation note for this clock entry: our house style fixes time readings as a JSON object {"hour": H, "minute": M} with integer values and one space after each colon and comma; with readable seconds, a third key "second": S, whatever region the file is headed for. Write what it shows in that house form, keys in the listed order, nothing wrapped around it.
{"hour": 11, "minute": 6, "second": 27}
